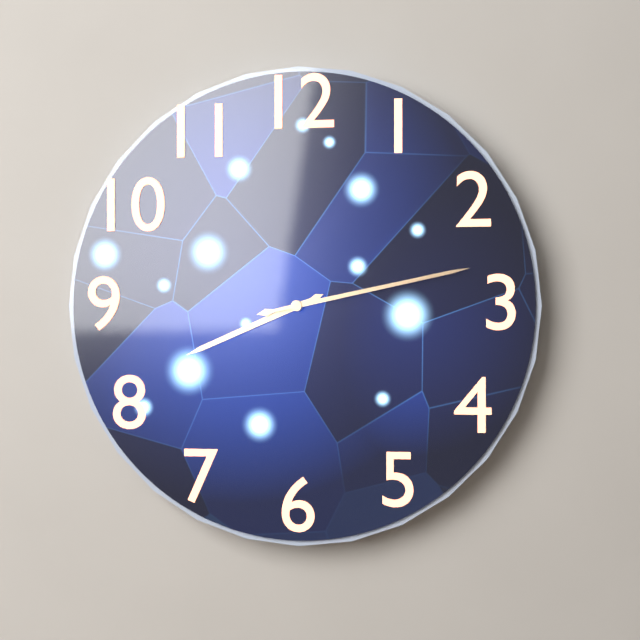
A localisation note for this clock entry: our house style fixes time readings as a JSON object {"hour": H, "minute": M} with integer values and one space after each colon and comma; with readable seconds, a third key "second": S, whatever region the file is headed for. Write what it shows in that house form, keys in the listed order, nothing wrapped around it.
{"hour": 8, "minute": 13}
